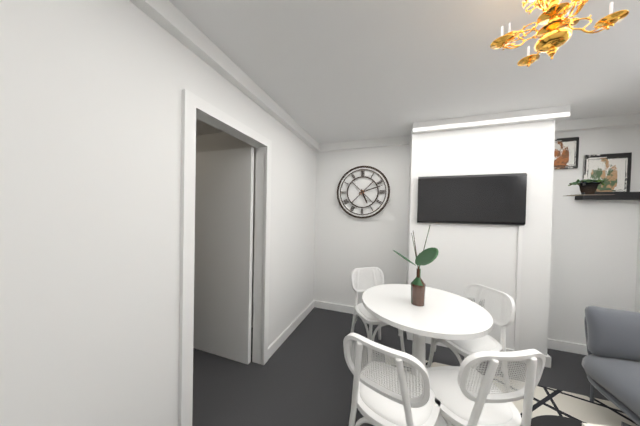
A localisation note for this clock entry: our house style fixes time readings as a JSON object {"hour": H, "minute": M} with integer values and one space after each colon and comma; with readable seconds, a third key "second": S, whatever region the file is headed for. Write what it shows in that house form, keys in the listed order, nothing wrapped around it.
{"hour": 5, "minute": 12}
